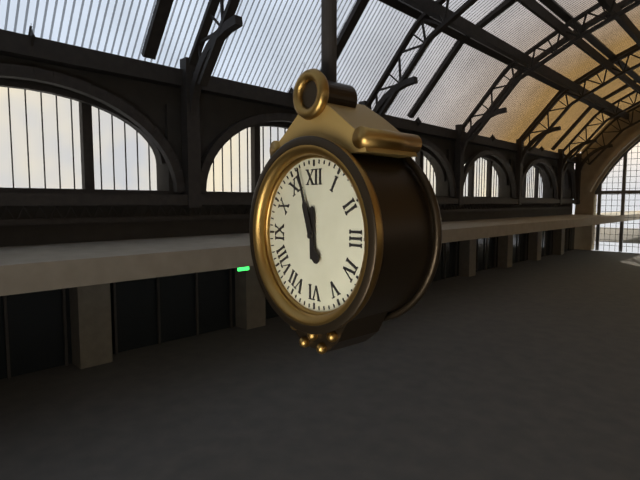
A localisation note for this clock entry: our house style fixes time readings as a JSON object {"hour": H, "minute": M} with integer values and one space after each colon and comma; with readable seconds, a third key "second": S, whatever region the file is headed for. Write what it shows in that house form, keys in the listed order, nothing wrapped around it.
{"hour": 11, "minute": 57}
